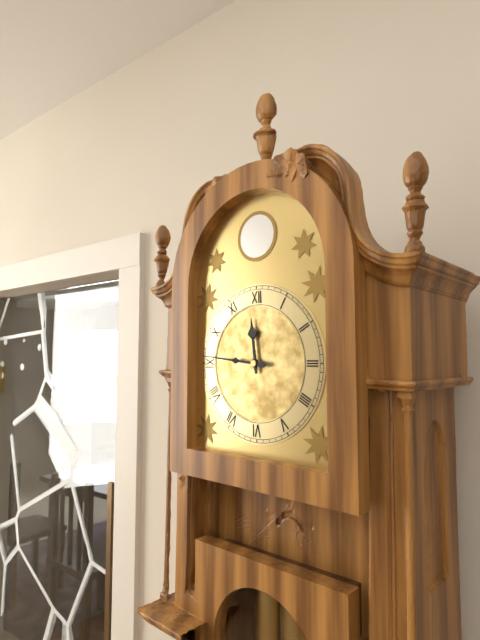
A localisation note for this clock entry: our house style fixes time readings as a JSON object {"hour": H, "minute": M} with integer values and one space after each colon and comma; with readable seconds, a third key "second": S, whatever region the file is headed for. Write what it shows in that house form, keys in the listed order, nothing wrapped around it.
{"hour": 11, "minute": 46}
